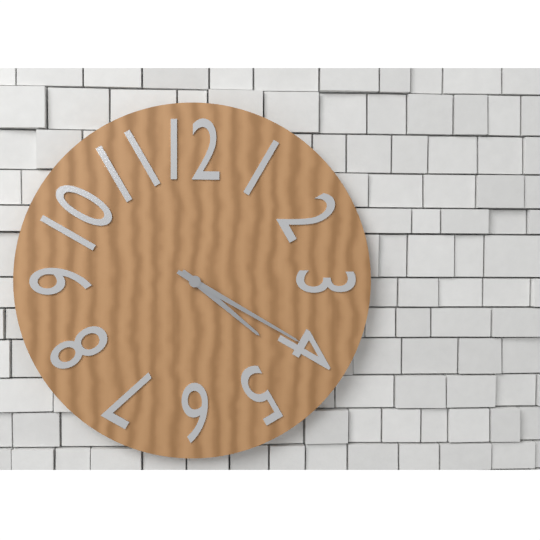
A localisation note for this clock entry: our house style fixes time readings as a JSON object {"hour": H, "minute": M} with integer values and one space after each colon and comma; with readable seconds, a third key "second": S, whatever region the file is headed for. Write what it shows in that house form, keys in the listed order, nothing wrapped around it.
{"hour": 4, "minute": 20}
